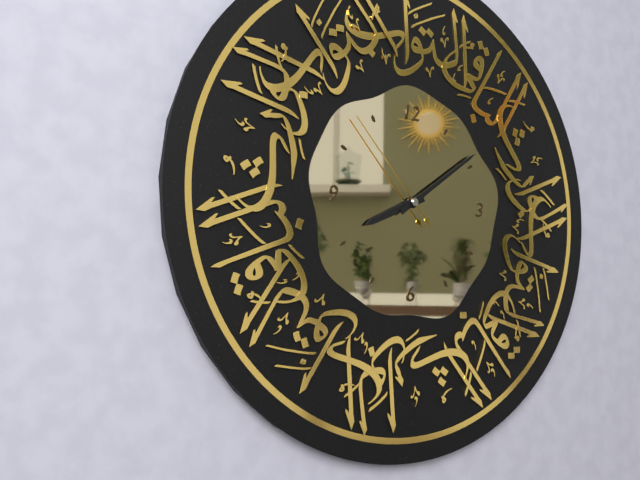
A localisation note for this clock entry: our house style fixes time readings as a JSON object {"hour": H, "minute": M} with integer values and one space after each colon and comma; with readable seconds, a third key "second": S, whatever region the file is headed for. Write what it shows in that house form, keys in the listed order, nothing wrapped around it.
{"hour": 8, "minute": 9, "second": 53}
